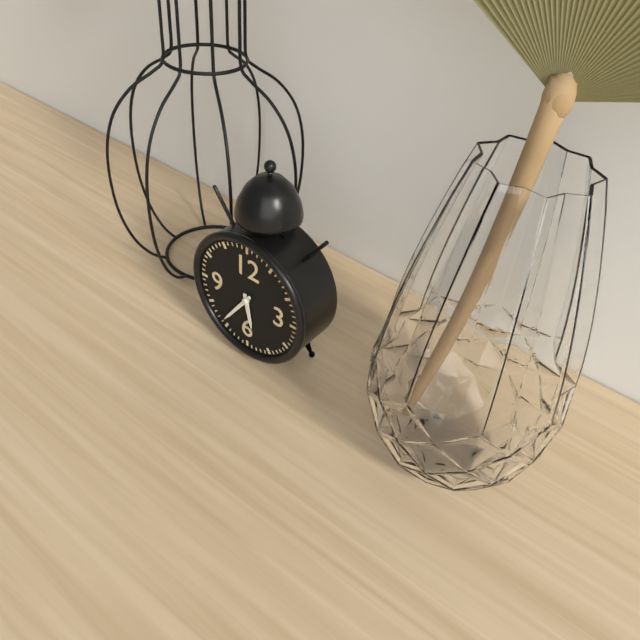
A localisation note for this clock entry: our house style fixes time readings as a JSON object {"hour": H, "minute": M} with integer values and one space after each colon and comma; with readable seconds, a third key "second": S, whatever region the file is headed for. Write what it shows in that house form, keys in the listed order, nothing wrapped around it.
{"hour": 5, "minute": 36}
